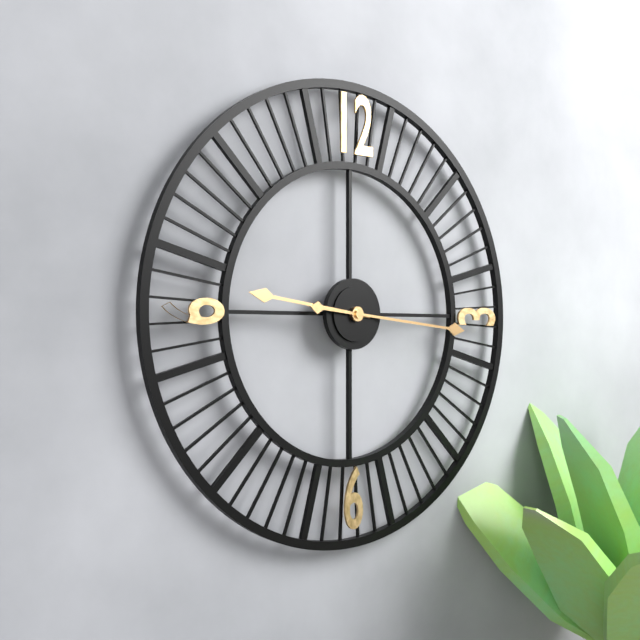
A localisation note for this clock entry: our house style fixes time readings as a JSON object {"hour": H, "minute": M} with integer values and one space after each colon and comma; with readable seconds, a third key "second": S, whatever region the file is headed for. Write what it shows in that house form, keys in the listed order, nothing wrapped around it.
{"hour": 9, "minute": 16}
